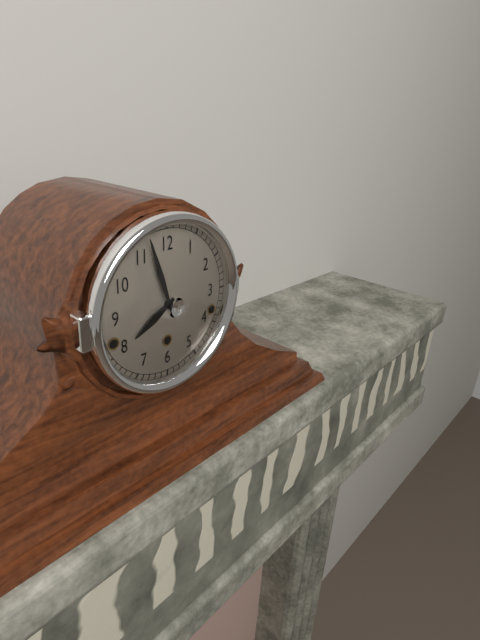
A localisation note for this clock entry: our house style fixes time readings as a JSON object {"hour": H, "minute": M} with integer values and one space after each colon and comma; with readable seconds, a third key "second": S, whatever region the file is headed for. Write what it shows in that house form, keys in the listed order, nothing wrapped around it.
{"hour": 7, "minute": 57}
